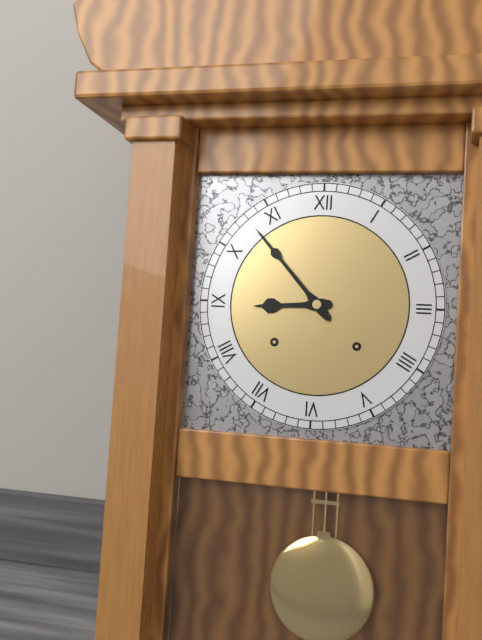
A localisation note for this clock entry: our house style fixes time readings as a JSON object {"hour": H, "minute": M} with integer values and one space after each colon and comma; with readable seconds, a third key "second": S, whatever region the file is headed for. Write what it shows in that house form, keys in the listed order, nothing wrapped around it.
{"hour": 8, "minute": 53}
